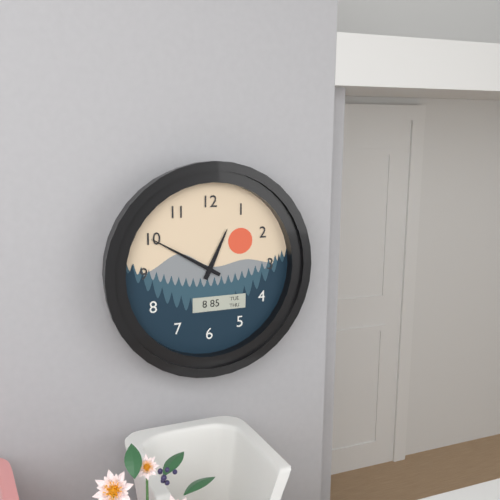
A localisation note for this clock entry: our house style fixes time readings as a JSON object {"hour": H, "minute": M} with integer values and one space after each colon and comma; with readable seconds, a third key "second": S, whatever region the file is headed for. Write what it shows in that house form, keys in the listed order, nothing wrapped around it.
{"hour": 12, "minute": 50}
